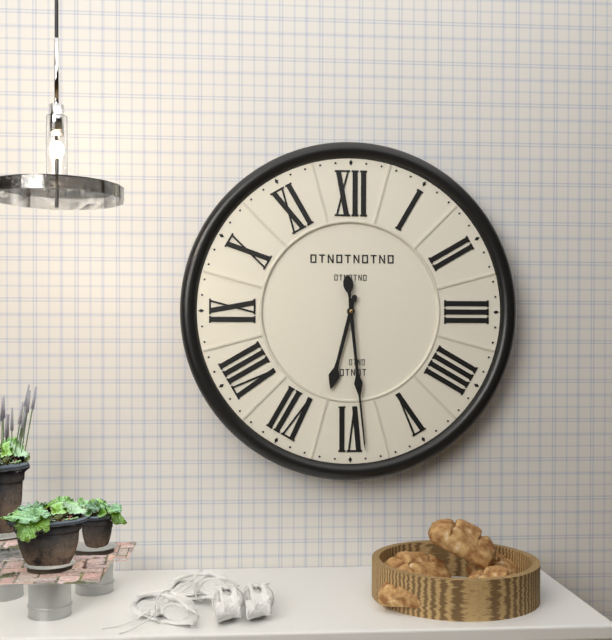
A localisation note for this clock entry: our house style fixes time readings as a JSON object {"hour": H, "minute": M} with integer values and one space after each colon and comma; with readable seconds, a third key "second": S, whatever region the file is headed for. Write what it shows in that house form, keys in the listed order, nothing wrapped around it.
{"hour": 6, "minute": 29}
